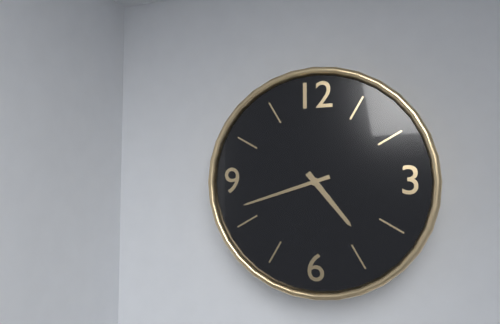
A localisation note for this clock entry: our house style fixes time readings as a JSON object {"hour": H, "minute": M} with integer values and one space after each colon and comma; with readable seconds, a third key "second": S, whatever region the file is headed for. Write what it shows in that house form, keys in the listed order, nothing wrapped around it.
{"hour": 4, "minute": 42}
